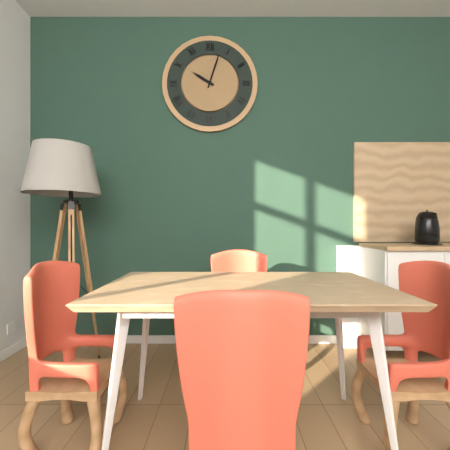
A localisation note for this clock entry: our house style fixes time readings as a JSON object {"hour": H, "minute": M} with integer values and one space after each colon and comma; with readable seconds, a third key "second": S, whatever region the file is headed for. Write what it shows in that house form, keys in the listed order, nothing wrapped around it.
{"hour": 10, "minute": 3}
